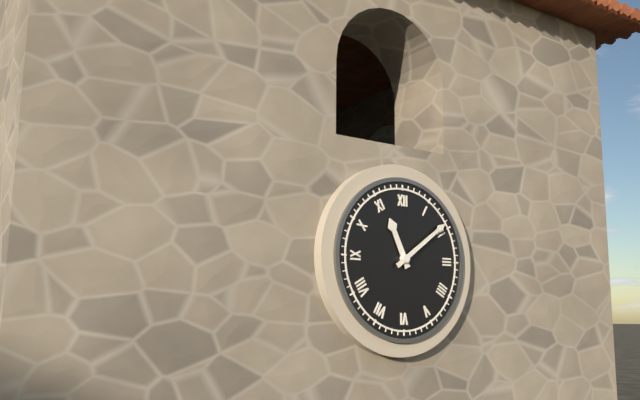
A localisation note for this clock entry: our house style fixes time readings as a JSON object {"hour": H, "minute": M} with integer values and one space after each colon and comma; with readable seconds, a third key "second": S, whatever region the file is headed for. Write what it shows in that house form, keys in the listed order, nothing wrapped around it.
{"hour": 11, "minute": 9}
